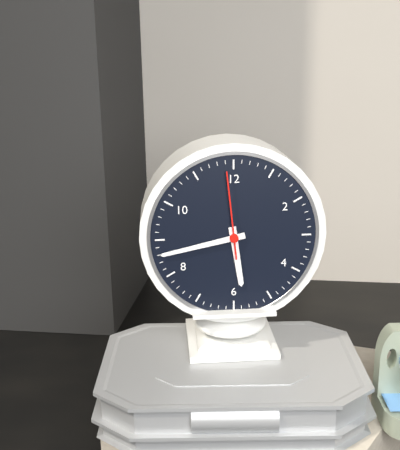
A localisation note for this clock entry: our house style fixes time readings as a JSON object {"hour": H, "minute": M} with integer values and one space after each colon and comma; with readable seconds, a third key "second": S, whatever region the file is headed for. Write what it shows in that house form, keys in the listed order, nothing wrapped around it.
{"hour": 5, "minute": 43, "second": 59}
